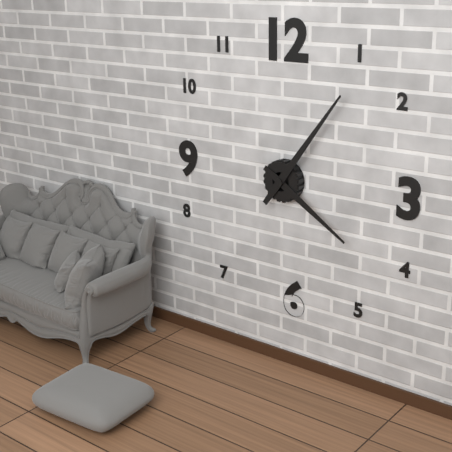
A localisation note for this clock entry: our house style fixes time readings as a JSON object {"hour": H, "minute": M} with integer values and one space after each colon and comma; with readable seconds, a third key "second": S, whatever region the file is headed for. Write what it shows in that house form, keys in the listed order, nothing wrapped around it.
{"hour": 4, "minute": 6}
